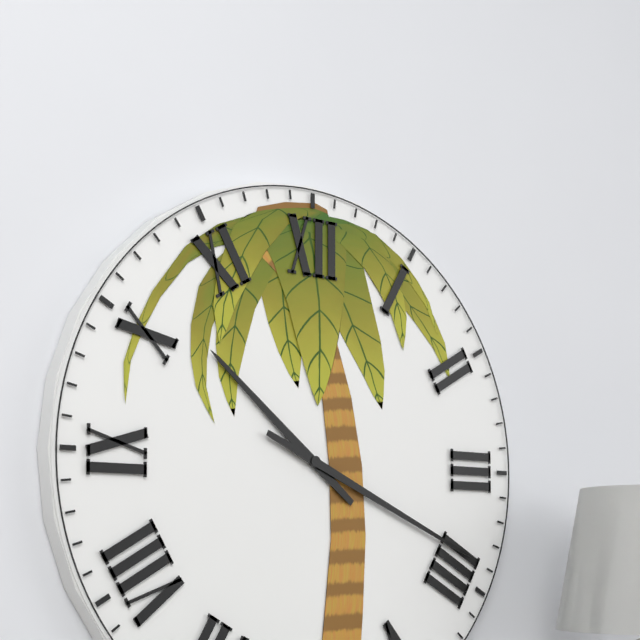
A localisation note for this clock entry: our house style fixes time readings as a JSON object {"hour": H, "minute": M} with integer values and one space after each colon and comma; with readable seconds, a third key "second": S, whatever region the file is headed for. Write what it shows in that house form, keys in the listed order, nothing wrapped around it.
{"hour": 10, "minute": 19}
